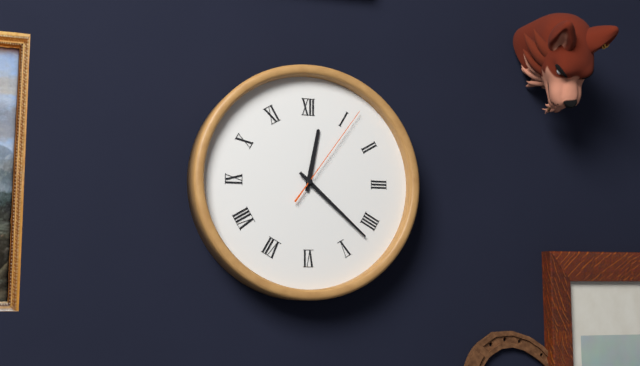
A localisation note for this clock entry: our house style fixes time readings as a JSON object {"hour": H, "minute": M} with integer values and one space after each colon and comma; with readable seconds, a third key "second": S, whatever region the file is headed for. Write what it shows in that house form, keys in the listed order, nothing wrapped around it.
{"hour": 12, "minute": 22, "second": 6}
